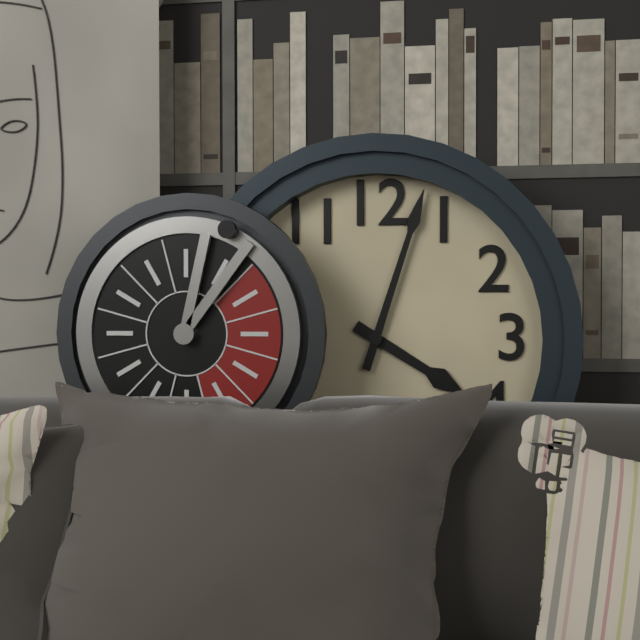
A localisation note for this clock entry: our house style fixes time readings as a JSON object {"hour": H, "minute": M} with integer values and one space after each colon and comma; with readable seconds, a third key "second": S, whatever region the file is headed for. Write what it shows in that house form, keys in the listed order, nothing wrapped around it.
{"hour": 4, "minute": 3}
